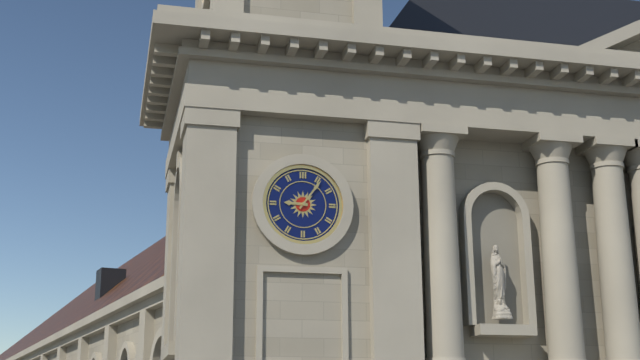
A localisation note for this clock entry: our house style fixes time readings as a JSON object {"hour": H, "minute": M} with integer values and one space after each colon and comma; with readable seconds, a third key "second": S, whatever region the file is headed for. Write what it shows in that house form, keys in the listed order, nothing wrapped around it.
{"hour": 9, "minute": 6}
